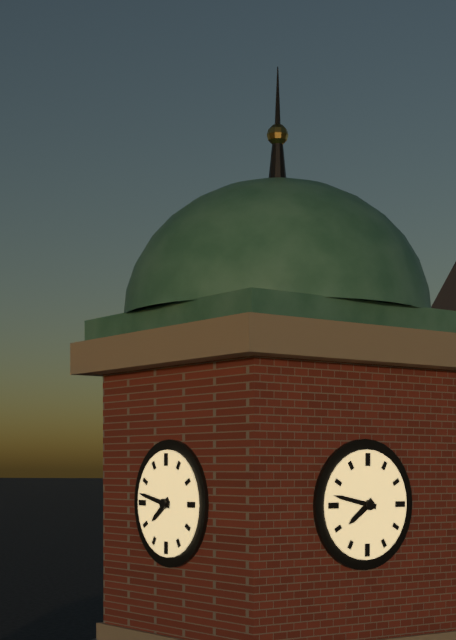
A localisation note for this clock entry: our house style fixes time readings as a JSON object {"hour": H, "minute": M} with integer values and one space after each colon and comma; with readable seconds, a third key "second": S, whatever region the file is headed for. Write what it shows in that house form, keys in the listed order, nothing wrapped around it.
{"hour": 7, "minute": 47}
